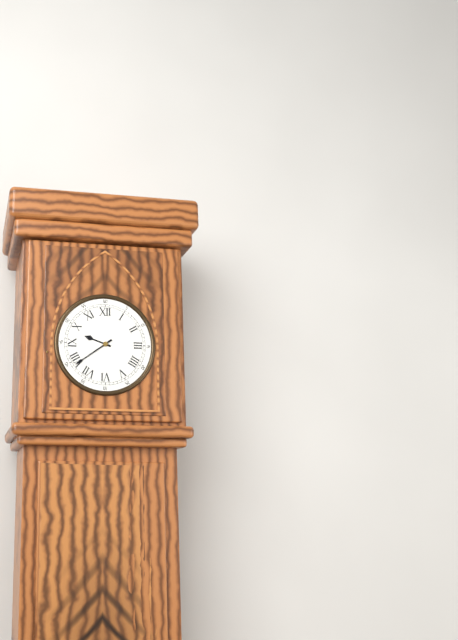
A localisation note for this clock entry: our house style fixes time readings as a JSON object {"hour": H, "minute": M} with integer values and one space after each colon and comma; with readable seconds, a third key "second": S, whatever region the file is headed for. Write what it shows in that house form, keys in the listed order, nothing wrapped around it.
{"hour": 9, "minute": 39}
